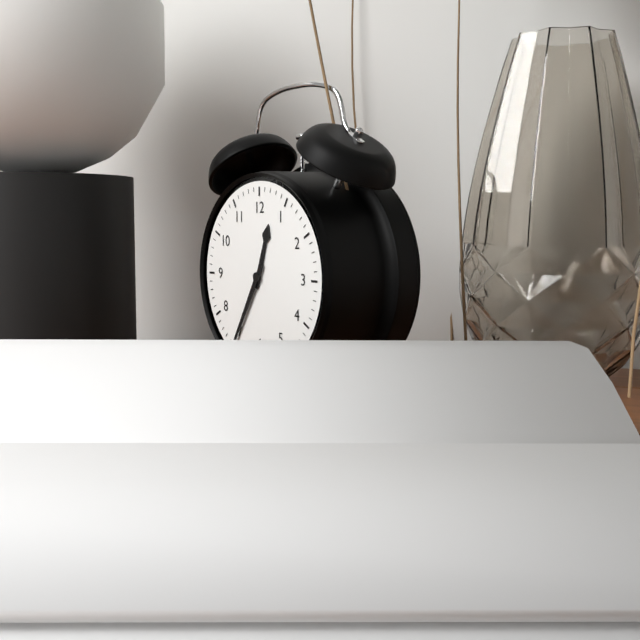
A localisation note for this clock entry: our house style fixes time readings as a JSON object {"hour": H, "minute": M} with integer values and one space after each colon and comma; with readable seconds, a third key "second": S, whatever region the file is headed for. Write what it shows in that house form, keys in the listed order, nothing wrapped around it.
{"hour": 12, "minute": 35}
